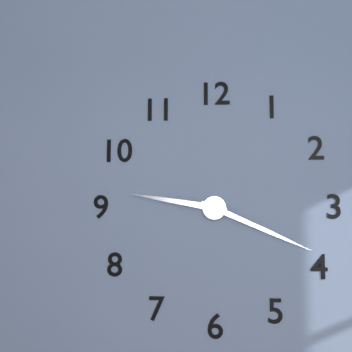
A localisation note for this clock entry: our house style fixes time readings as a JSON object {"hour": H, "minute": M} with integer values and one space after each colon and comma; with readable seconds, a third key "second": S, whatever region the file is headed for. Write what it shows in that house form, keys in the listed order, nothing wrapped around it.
{"hour": 9, "minute": 19}
